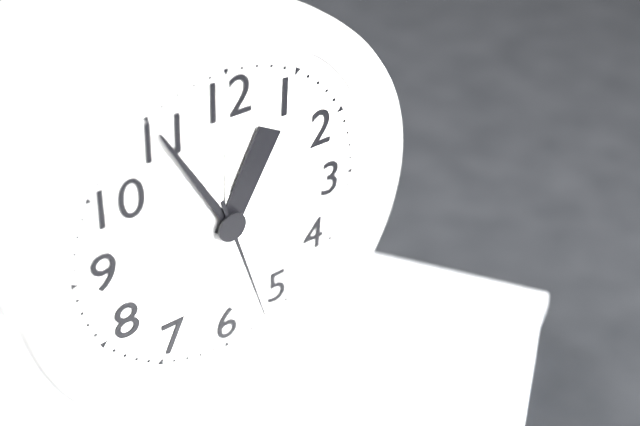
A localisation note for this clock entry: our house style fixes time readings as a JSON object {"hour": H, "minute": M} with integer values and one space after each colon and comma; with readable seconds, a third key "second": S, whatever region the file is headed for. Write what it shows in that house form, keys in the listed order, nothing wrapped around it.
{"hour": 12, "minute": 55, "second": 27}
